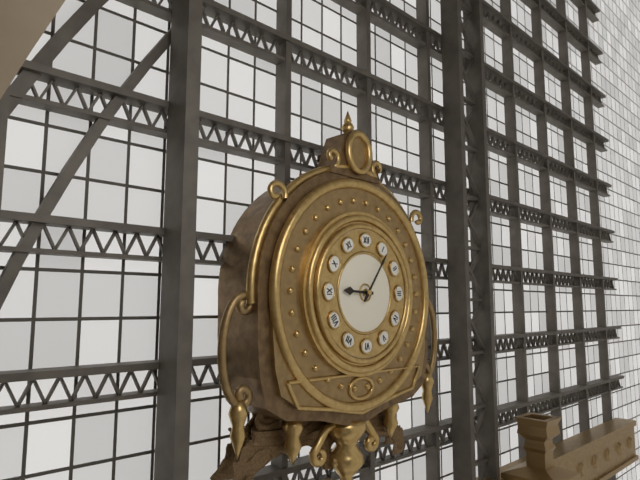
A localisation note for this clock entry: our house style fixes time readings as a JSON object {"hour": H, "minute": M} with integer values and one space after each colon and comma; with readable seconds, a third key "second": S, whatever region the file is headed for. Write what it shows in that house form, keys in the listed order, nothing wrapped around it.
{"hour": 9, "minute": 6}
